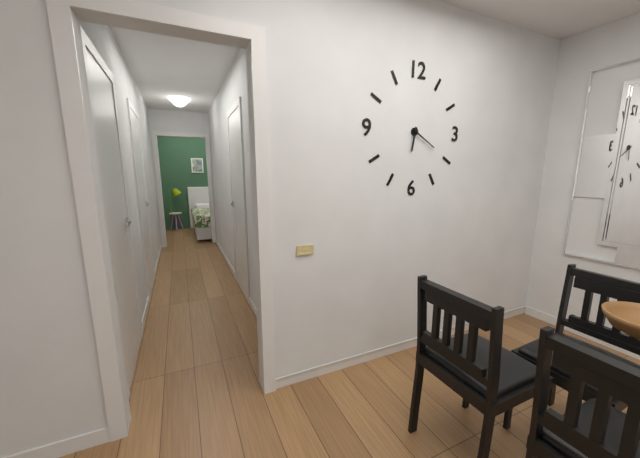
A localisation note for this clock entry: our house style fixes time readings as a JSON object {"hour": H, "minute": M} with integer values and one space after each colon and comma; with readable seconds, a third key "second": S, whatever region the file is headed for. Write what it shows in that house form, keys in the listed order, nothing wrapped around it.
{"hour": 6, "minute": 20}
